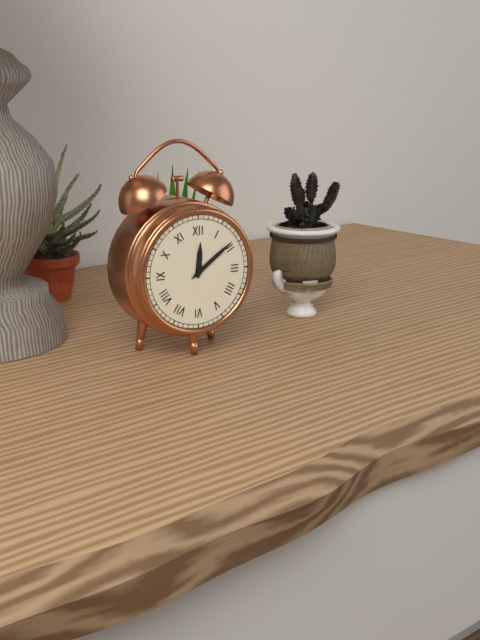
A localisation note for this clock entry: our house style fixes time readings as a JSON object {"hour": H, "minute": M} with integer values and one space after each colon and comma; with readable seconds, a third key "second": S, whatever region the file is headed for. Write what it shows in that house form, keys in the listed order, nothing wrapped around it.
{"hour": 12, "minute": 9}
